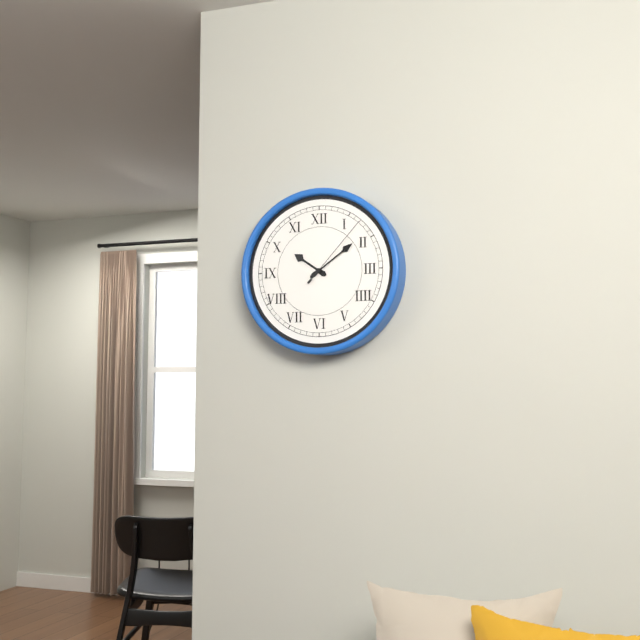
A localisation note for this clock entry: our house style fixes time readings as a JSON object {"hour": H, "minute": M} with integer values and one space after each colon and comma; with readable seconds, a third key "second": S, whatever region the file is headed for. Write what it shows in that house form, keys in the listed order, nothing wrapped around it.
{"hour": 10, "minute": 9, "second": 7}
